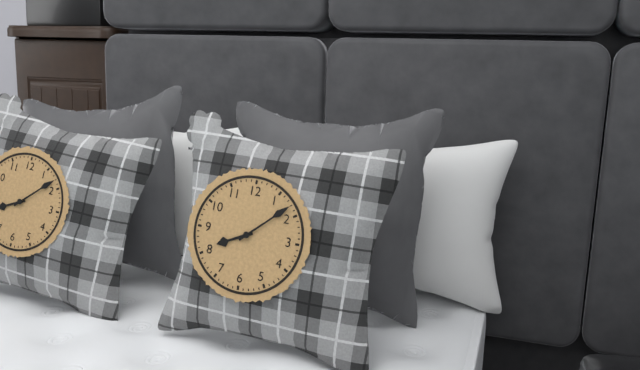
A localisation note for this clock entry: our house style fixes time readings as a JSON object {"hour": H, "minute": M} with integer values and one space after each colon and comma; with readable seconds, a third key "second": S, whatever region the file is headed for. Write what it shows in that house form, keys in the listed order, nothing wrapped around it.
{"hour": 8, "minute": 8}
